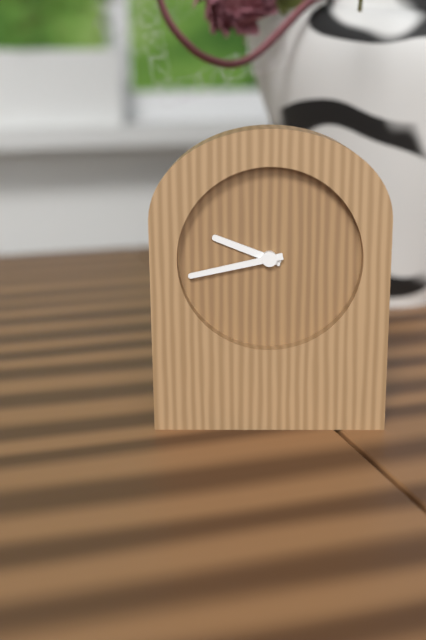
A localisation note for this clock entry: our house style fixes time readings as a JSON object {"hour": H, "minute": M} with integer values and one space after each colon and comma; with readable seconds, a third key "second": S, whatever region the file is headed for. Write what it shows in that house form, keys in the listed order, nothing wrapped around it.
{"hour": 9, "minute": 43}
